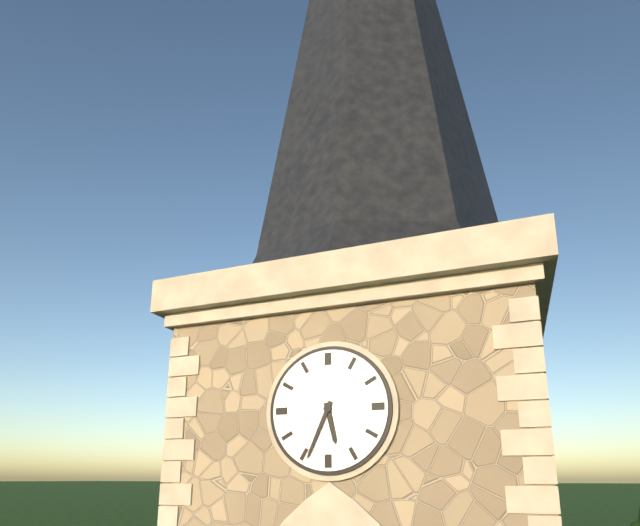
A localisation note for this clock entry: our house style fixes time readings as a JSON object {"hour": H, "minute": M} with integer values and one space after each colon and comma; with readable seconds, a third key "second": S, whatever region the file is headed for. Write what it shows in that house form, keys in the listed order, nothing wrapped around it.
{"hour": 5, "minute": 34}
